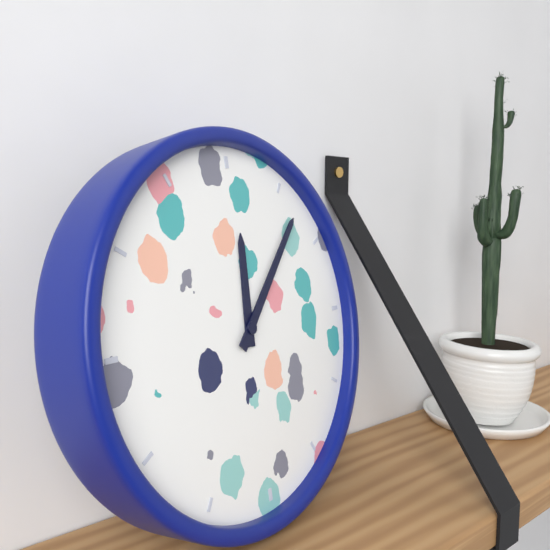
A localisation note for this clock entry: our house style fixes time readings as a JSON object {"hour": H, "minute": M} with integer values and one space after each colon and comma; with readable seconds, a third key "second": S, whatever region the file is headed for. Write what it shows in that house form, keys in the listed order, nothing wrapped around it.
{"hour": 12, "minute": 7}
